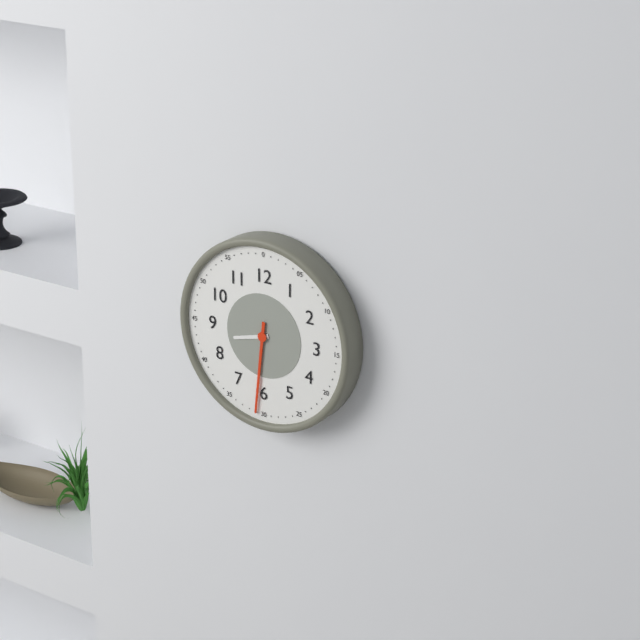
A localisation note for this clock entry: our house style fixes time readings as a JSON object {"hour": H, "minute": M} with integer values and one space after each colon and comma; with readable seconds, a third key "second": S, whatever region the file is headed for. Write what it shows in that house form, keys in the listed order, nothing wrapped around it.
{"hour": 8, "minute": 31}
